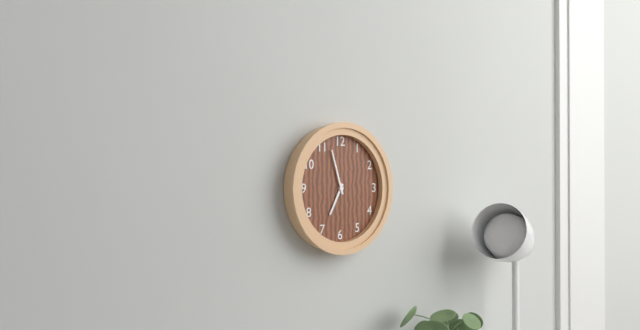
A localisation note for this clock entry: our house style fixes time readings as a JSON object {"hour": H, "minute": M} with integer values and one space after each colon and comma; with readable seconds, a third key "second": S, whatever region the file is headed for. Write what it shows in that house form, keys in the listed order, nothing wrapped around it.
{"hour": 6, "minute": 57}
